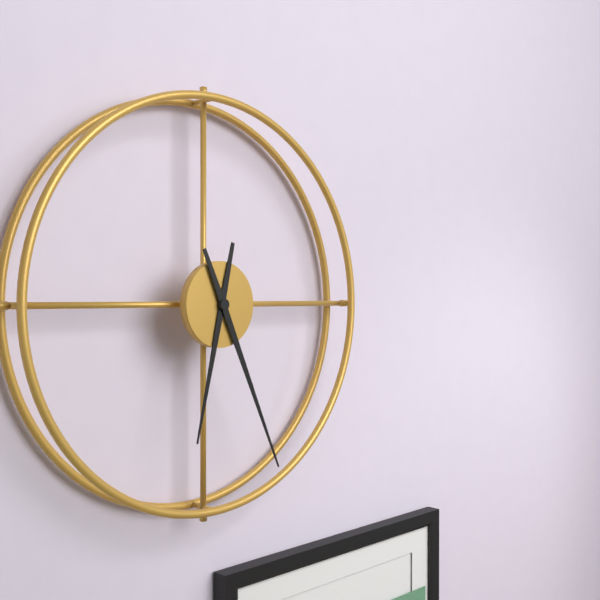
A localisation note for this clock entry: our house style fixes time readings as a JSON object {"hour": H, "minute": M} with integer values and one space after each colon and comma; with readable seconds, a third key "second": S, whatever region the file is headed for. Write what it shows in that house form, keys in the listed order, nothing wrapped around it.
{"hour": 6, "minute": 26}
